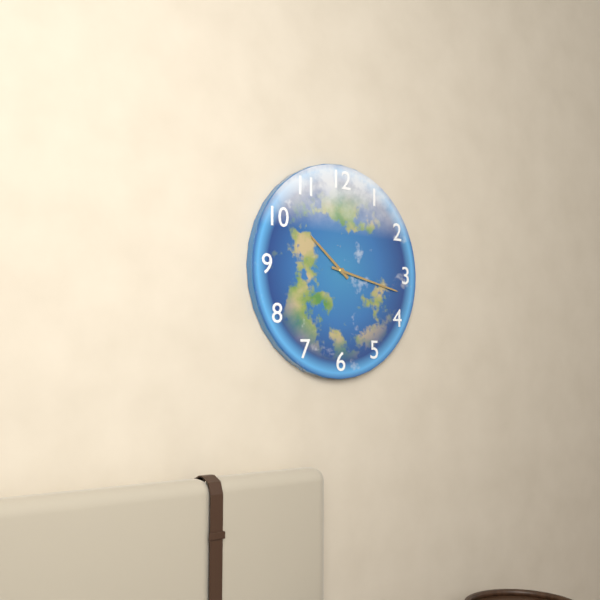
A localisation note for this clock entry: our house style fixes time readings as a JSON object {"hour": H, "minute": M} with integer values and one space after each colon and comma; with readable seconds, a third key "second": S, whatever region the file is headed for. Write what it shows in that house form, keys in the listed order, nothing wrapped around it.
{"hour": 10, "minute": 17}
